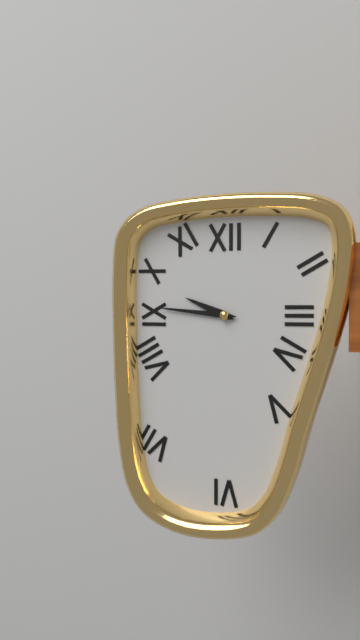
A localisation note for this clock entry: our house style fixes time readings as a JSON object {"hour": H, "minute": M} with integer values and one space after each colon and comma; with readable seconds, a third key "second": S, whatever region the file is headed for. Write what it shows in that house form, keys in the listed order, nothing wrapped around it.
{"hour": 9, "minute": 46}
